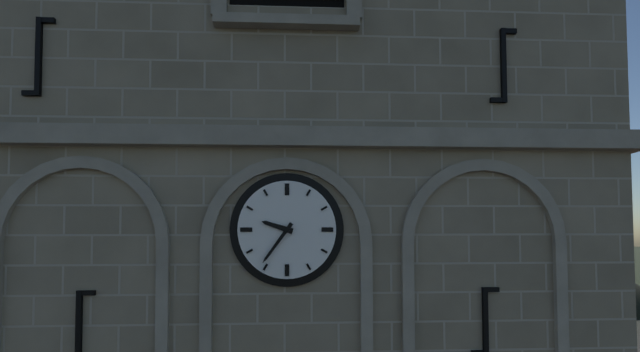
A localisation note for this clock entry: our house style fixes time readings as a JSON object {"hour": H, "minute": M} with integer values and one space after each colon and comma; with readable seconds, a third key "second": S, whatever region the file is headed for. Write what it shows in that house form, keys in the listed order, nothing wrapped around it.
{"hour": 9, "minute": 36}
